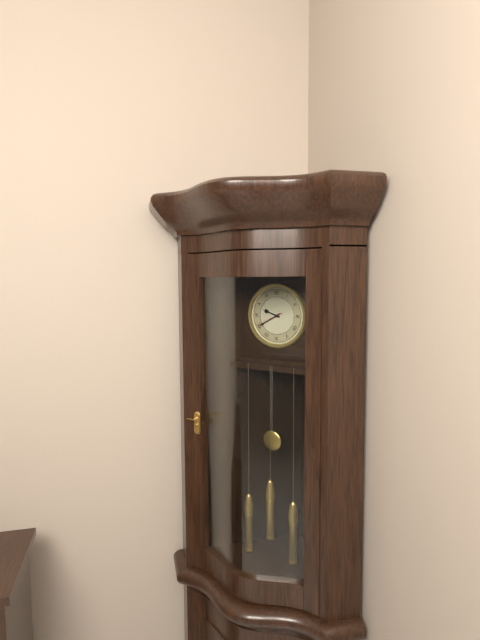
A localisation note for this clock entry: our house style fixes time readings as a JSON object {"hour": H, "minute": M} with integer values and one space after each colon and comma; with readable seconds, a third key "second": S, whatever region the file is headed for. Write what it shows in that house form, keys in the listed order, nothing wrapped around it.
{"hour": 9, "minute": 40}
